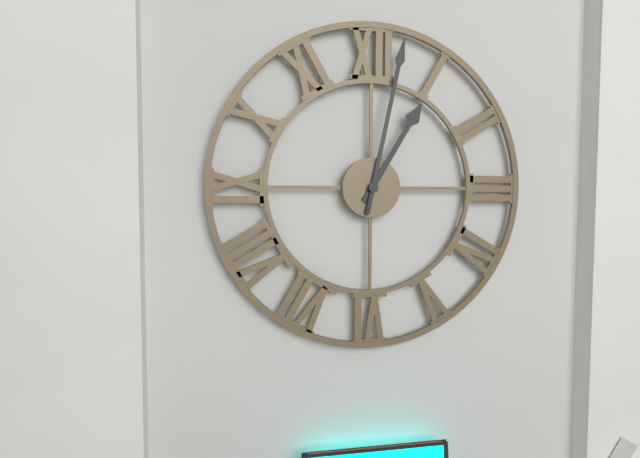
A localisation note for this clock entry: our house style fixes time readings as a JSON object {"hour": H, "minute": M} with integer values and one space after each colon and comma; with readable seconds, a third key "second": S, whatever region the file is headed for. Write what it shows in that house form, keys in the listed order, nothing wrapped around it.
{"hour": 1, "minute": 2}
